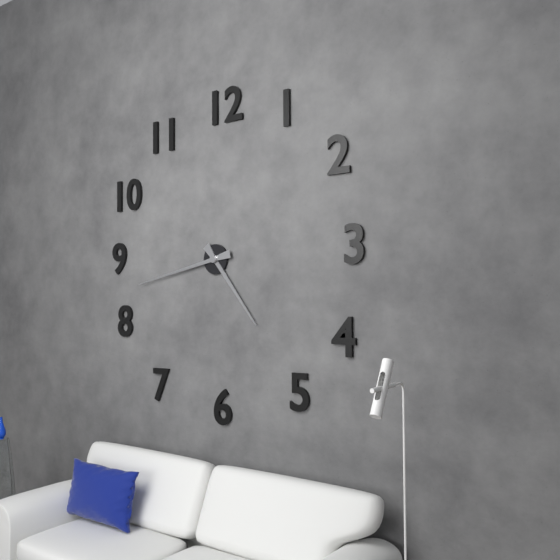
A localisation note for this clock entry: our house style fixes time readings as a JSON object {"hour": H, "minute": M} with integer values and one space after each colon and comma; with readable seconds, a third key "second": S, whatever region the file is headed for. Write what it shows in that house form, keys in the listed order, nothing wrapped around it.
{"hour": 4, "minute": 43}
